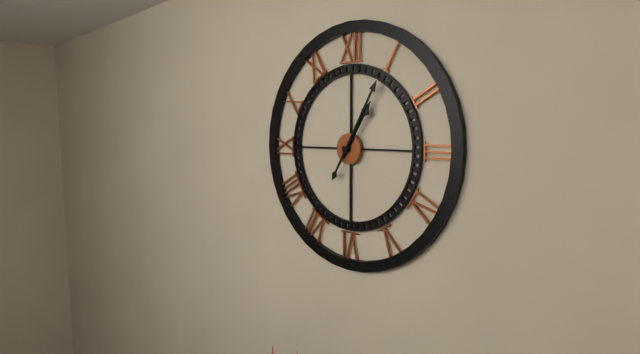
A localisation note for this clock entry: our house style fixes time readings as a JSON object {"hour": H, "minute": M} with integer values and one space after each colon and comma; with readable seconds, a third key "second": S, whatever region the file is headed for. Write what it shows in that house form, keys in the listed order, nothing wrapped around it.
{"hour": 1, "minute": 5}
